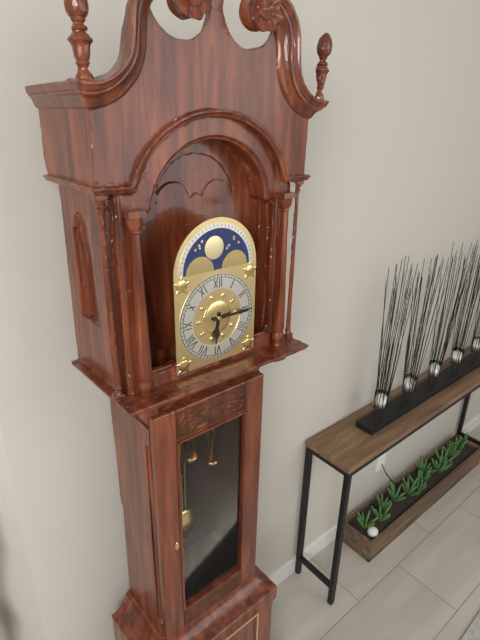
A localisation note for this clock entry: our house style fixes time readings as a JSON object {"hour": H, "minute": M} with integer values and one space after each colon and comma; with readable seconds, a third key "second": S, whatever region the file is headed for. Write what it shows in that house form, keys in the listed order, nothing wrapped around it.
{"hour": 6, "minute": 15}
